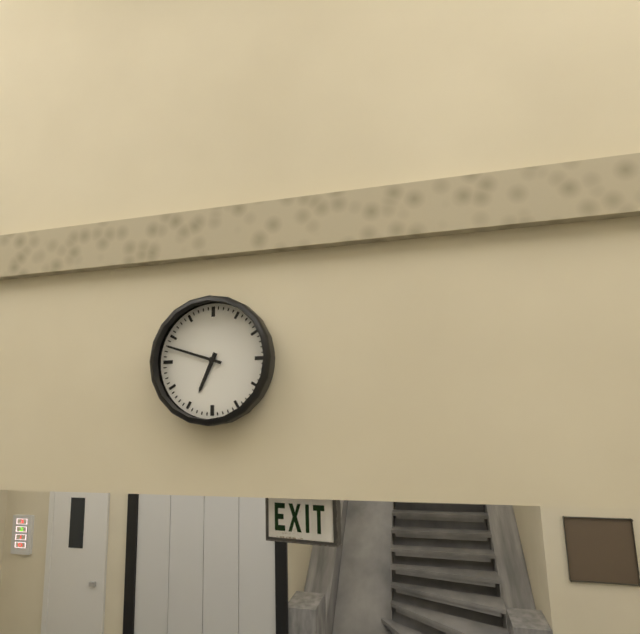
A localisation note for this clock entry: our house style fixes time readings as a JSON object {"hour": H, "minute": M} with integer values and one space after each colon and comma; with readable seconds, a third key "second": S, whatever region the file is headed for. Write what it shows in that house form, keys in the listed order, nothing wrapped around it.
{"hour": 6, "minute": 48}
